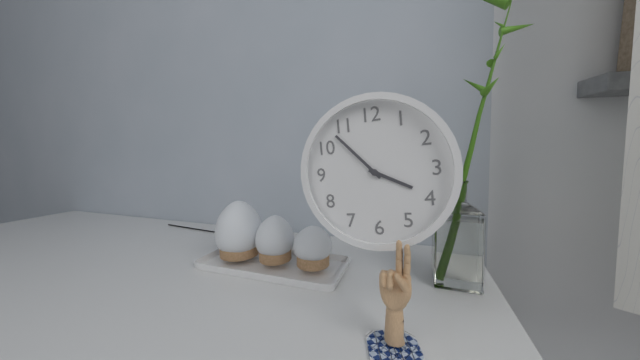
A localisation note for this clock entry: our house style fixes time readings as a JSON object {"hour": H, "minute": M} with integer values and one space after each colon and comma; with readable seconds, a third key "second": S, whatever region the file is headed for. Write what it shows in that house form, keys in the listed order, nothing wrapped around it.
{"hour": 3, "minute": 53}
